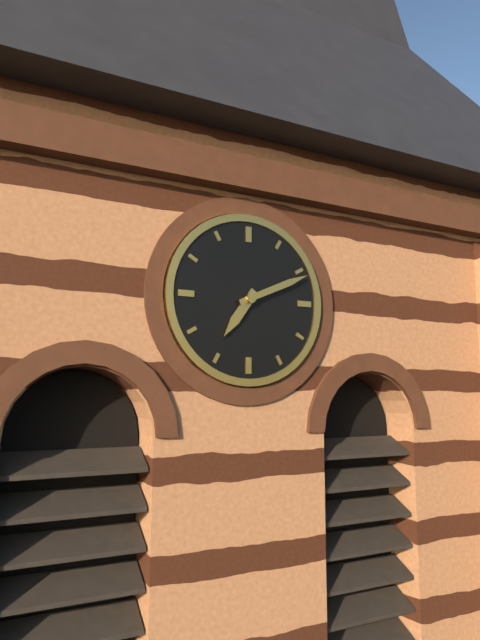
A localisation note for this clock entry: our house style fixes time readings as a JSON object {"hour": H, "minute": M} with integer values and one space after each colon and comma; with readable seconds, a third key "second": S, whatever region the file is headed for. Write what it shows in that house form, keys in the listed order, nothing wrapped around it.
{"hour": 7, "minute": 11}
